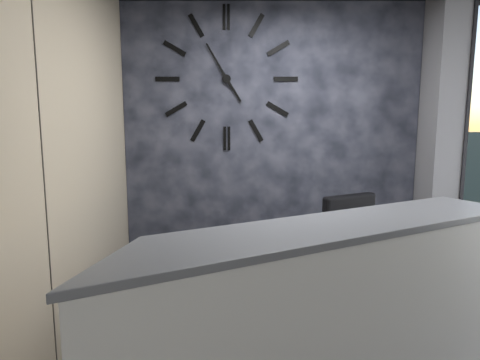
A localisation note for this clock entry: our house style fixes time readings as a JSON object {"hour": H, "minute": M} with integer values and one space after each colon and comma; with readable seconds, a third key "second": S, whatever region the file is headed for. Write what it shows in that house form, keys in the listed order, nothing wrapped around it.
{"hour": 4, "minute": 55}
